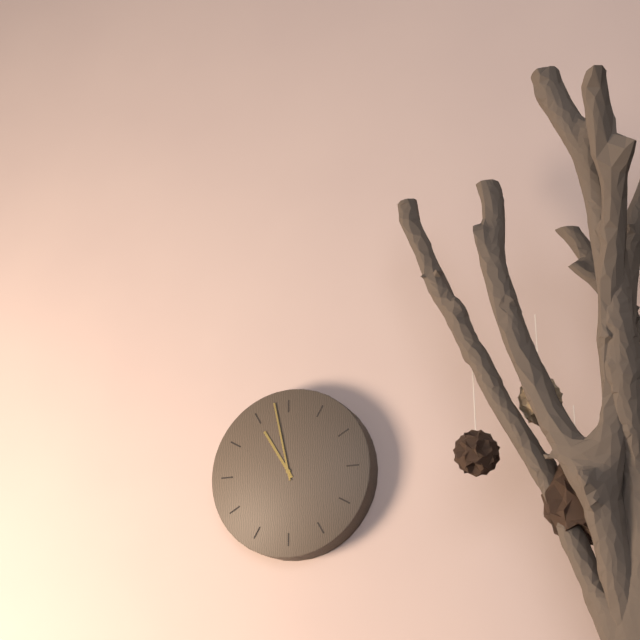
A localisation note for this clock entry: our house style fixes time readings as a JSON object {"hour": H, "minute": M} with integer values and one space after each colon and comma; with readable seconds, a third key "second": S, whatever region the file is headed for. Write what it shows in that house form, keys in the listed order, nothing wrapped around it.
{"hour": 10, "minute": 58}
